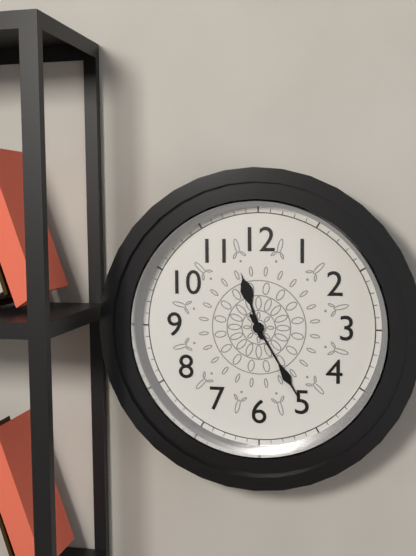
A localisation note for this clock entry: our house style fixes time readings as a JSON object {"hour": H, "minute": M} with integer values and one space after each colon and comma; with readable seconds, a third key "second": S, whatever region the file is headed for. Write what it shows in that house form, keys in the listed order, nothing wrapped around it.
{"hour": 11, "minute": 25}
